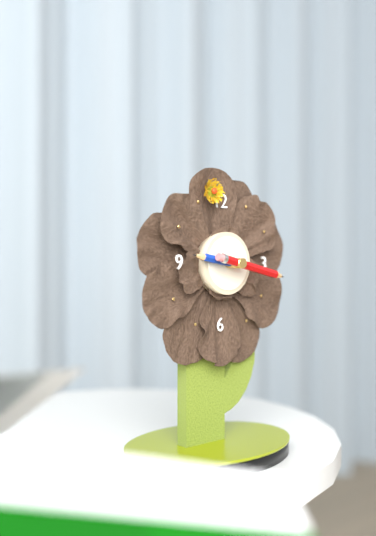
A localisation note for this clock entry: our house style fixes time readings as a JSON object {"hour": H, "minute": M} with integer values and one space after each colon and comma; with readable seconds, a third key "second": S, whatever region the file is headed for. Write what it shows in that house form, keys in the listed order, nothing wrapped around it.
{"hour": 9, "minute": 17}
